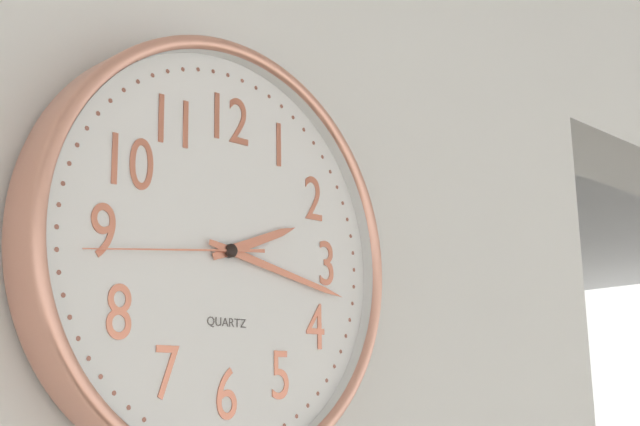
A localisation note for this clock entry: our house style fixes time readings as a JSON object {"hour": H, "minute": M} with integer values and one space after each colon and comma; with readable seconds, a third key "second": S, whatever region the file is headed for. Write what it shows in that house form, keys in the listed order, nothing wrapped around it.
{"hour": 2, "minute": 17, "second": 44}
